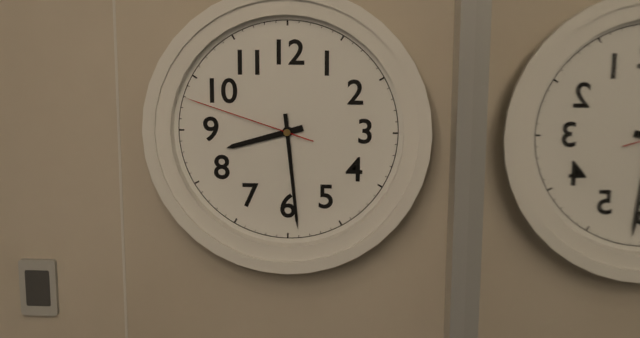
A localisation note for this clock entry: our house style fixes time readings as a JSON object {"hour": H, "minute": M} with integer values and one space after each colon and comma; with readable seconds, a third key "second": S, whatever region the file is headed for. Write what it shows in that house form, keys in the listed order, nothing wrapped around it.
{"hour": 8, "minute": 29, "second": 48}
